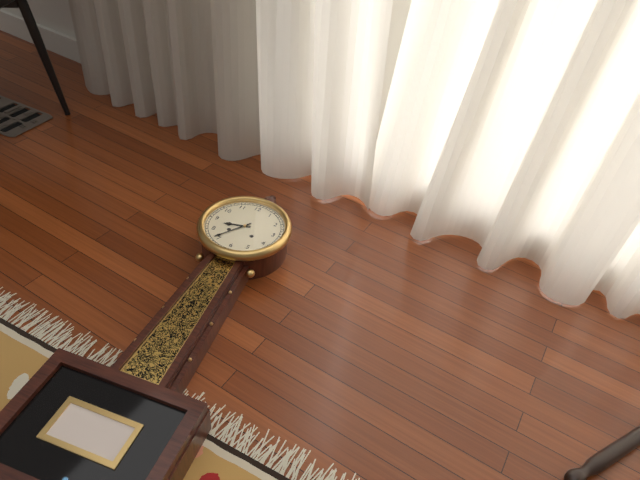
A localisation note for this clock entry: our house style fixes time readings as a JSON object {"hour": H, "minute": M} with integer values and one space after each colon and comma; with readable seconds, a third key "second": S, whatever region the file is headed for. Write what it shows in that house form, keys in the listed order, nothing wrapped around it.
{"hour": 8, "minute": 36}
